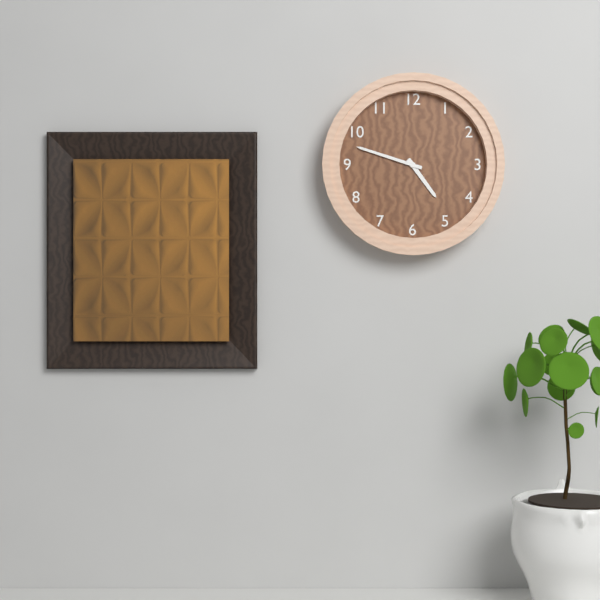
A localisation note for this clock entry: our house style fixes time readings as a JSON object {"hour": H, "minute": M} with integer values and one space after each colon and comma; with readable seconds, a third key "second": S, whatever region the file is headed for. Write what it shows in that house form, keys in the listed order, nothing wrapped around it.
{"hour": 4, "minute": 48}
